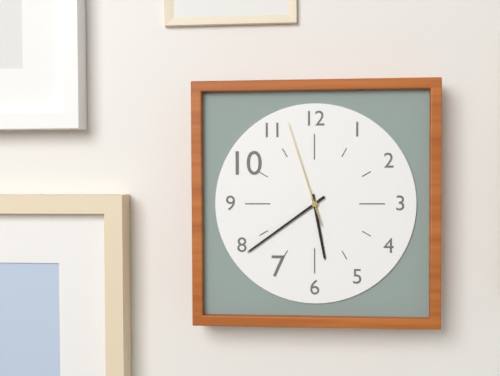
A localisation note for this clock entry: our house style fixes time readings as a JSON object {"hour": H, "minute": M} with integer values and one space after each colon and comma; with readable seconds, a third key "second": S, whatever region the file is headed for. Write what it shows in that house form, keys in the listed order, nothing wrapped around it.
{"hour": 5, "minute": 39, "second": 57}
